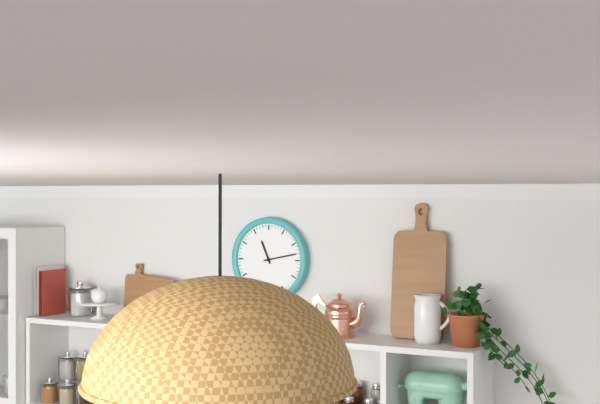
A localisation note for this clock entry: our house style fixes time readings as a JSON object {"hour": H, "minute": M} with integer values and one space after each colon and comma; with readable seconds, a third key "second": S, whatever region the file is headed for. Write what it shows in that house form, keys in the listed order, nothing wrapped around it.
{"hour": 11, "minute": 13}
